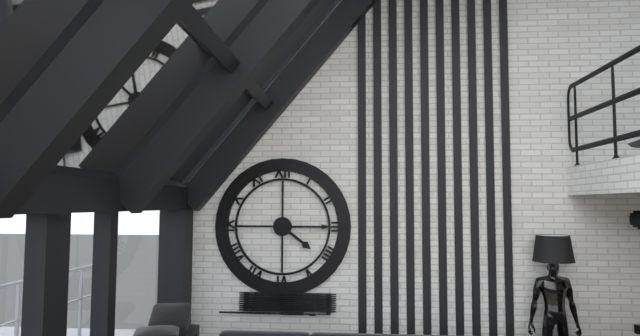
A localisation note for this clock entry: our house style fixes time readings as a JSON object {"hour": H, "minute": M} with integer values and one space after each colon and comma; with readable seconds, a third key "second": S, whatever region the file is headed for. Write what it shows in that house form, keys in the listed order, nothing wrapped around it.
{"hour": 4, "minute": 15}
